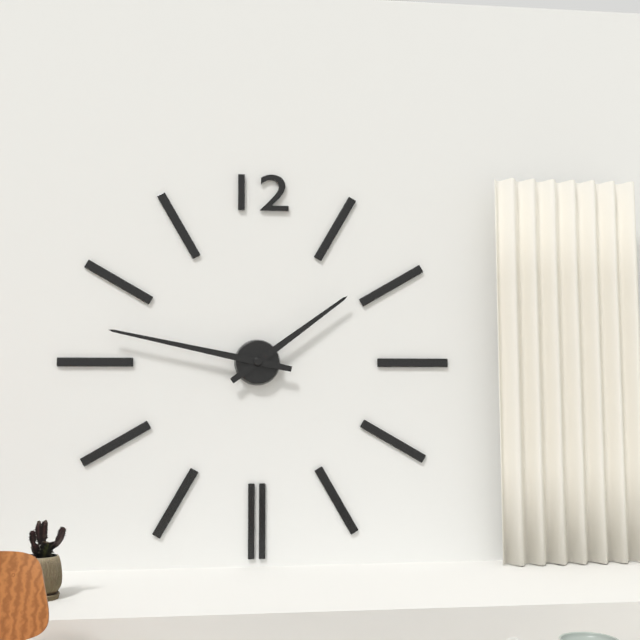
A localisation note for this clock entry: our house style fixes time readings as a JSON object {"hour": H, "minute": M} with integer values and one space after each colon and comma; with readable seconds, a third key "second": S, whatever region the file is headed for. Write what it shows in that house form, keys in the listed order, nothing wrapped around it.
{"hour": 1, "minute": 47}
